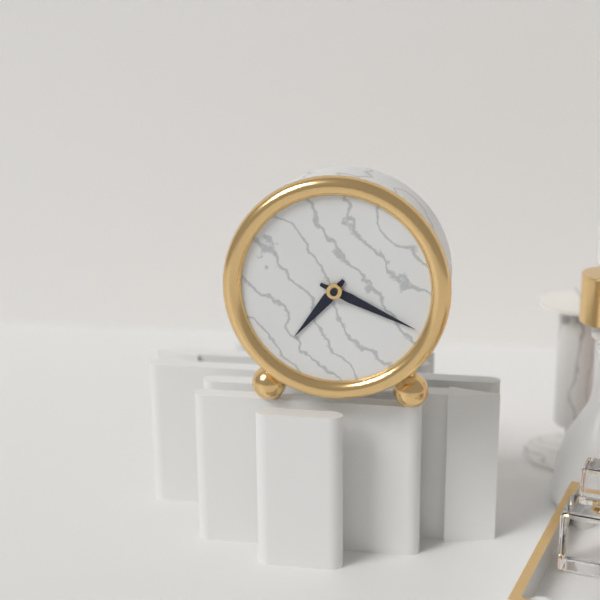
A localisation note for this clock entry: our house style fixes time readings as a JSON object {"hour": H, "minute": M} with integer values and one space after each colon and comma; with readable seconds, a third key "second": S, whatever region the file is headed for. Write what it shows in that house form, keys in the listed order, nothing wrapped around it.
{"hour": 7, "minute": 19}
